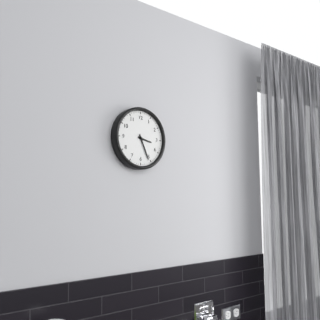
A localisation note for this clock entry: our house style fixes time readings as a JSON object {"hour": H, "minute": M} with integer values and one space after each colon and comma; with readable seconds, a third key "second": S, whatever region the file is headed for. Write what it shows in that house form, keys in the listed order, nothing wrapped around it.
{"hour": 3, "minute": 26}
